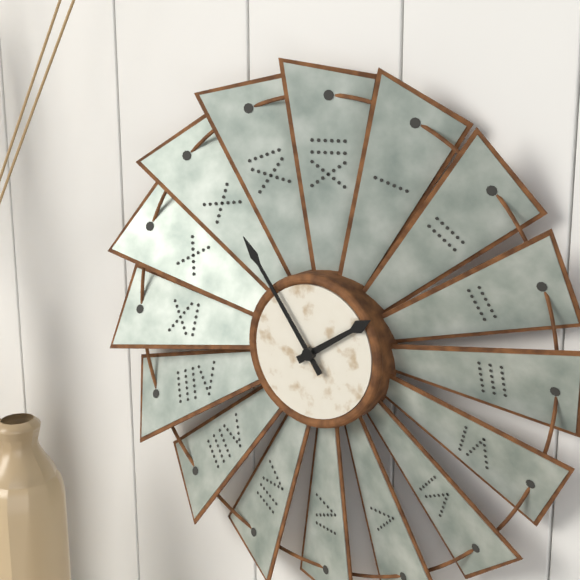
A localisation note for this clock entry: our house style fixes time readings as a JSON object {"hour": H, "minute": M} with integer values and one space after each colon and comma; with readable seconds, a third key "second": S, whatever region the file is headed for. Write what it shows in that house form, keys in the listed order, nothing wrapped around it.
{"hour": 1, "minute": 54}
